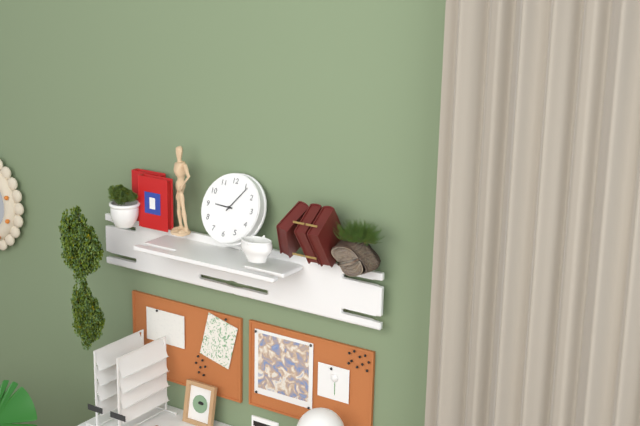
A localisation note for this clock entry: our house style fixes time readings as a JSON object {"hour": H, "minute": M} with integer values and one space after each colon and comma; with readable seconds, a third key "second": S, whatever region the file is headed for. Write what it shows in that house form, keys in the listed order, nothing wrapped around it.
{"hour": 9, "minute": 6}
